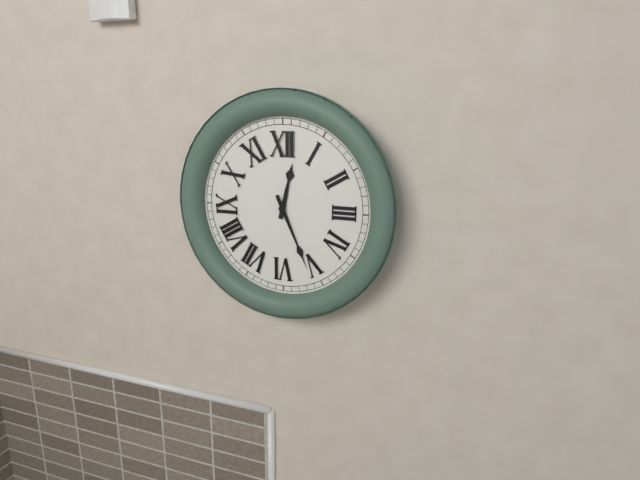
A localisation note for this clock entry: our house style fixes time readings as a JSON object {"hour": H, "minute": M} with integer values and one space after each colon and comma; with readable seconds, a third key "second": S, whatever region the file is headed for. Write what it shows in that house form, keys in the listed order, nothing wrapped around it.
{"hour": 12, "minute": 26}
